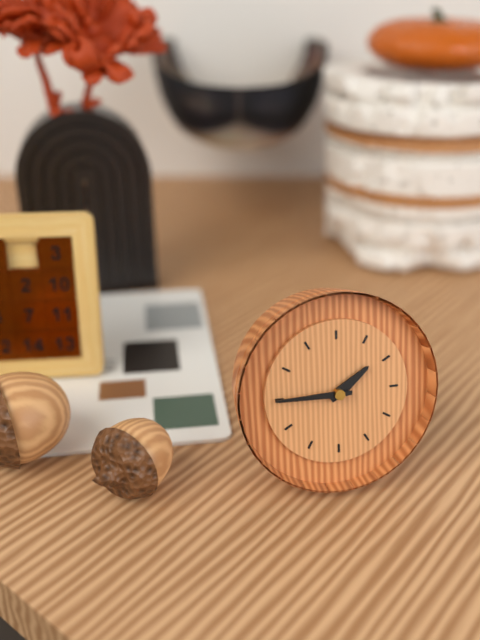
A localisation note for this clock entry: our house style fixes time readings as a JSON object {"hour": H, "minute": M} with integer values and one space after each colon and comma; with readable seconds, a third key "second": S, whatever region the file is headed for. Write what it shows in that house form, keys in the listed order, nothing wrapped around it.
{"hour": 1, "minute": 45}
